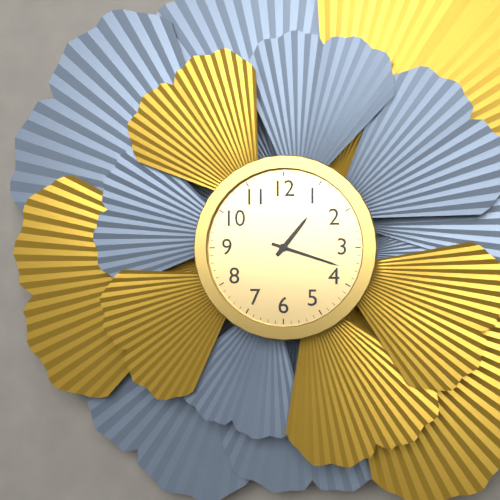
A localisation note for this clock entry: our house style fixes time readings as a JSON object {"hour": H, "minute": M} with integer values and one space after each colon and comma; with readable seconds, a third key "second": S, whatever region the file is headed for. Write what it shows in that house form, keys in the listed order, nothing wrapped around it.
{"hour": 1, "minute": 18}
